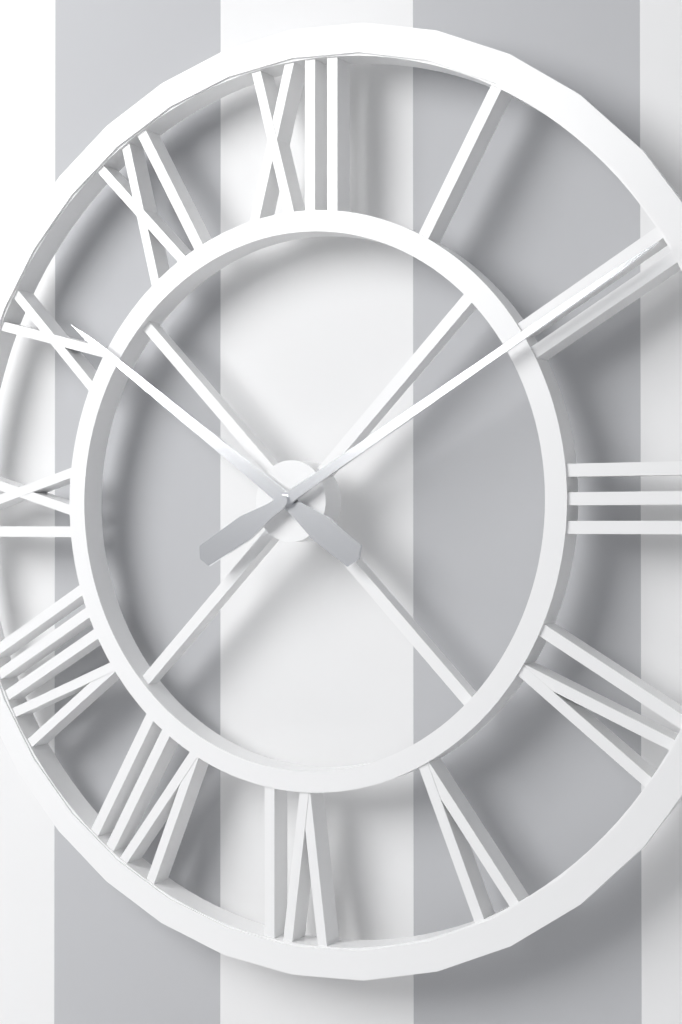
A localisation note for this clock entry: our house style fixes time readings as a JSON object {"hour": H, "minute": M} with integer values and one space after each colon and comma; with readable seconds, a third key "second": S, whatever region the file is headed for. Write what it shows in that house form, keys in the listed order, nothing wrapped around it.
{"hour": 10, "minute": 10}
